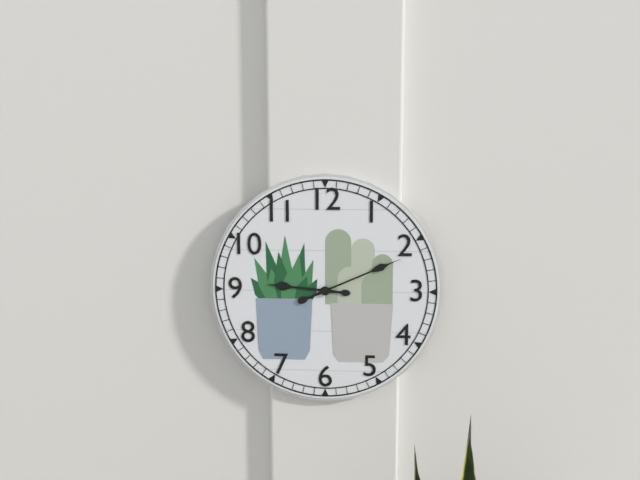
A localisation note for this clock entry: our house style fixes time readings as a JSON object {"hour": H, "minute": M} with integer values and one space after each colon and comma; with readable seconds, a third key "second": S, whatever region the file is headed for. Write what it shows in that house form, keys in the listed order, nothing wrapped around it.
{"hour": 9, "minute": 11}
